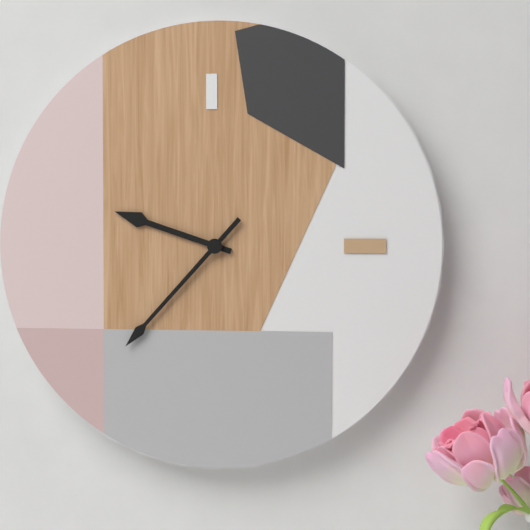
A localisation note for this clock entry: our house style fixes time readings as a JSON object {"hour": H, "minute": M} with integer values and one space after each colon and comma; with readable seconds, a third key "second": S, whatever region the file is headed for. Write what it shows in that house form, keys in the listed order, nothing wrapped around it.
{"hour": 9, "minute": 37}
